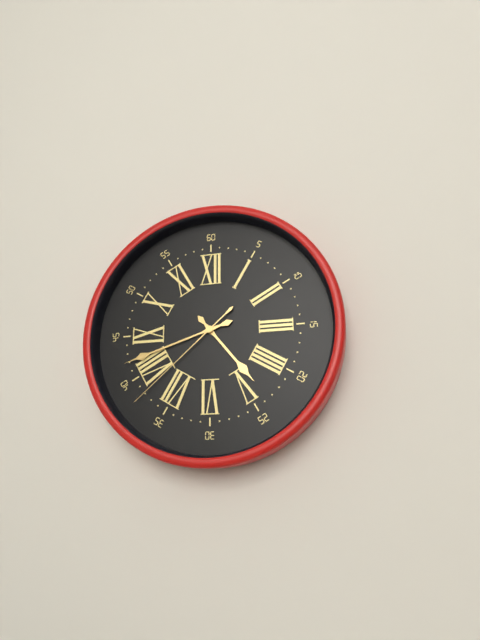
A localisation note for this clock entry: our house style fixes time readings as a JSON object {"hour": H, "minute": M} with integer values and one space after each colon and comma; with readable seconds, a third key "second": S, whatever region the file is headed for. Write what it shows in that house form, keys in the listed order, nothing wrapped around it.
{"hour": 4, "minute": 42, "second": 38}
